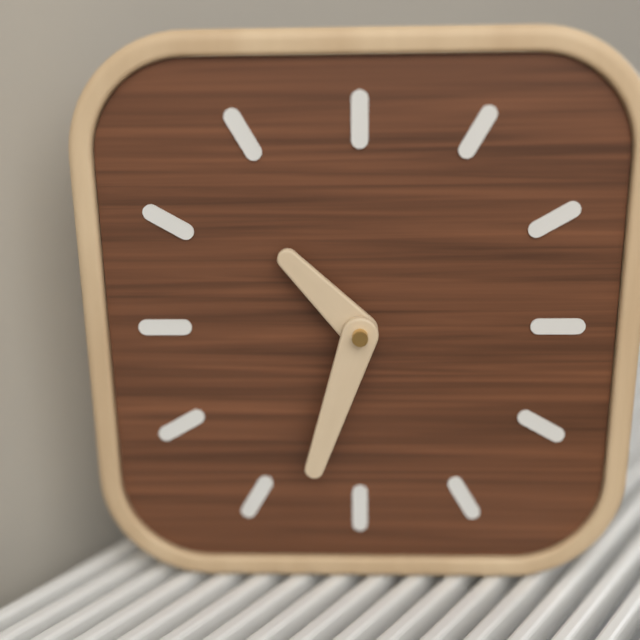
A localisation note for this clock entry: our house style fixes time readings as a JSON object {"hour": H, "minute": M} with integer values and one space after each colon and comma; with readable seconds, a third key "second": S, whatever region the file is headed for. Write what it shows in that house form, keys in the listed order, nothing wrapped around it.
{"hour": 10, "minute": 33}
